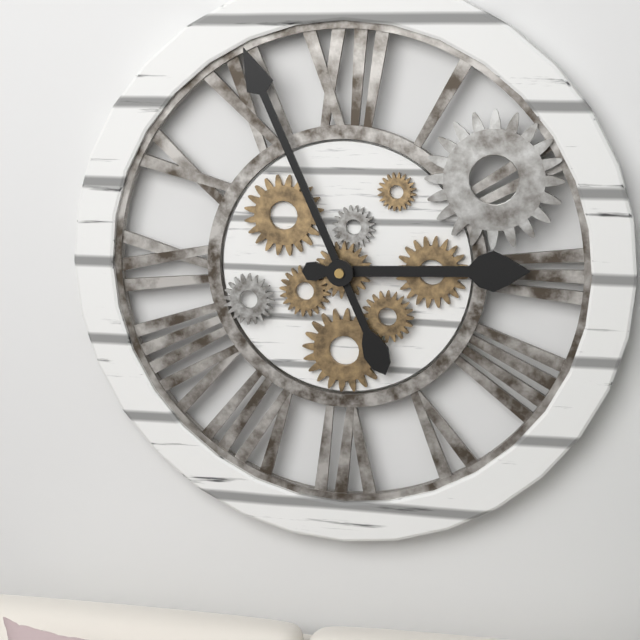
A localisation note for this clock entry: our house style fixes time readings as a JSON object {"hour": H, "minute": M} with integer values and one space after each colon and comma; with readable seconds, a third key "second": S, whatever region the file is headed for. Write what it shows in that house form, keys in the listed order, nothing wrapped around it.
{"hour": 2, "minute": 56}
